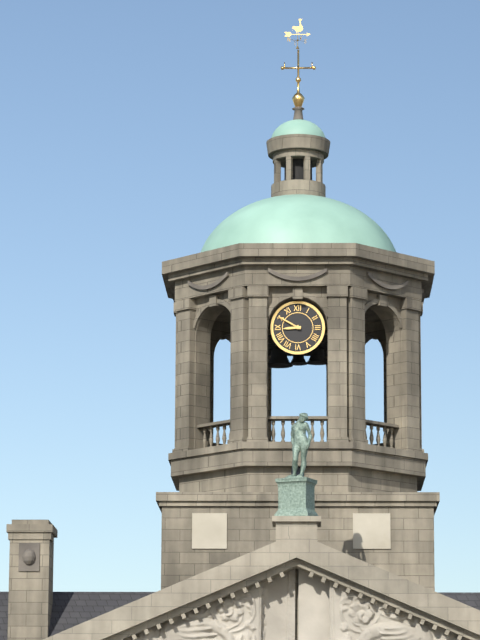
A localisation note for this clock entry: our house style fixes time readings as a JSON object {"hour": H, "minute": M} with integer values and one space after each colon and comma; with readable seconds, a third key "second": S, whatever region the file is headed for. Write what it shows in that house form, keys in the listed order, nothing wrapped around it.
{"hour": 8, "minute": 50}
